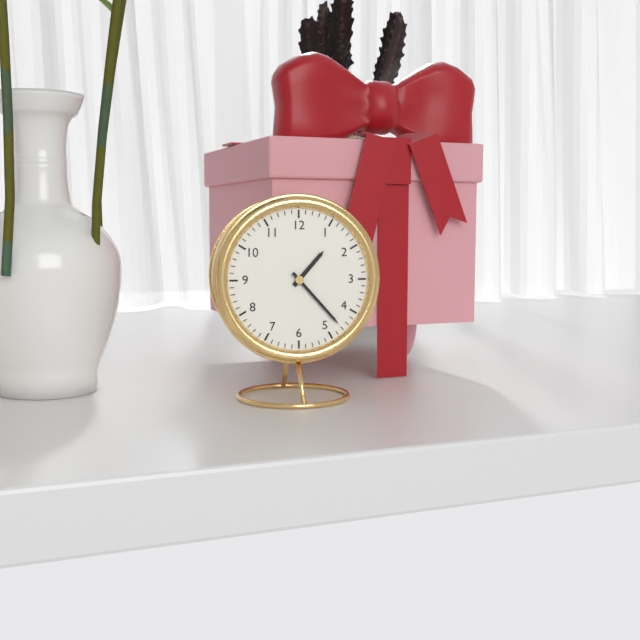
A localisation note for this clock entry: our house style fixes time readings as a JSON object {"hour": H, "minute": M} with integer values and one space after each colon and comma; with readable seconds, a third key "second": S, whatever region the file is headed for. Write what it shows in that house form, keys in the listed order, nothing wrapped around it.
{"hour": 1, "minute": 23}
